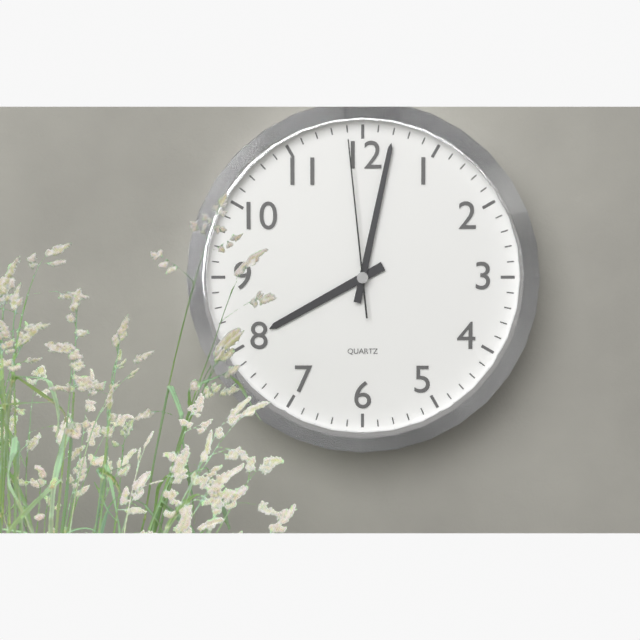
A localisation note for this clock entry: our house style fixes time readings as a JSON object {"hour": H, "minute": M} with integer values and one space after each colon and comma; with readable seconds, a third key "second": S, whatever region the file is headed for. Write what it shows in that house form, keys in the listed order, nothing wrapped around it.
{"hour": 8, "minute": 2, "second": 59}
